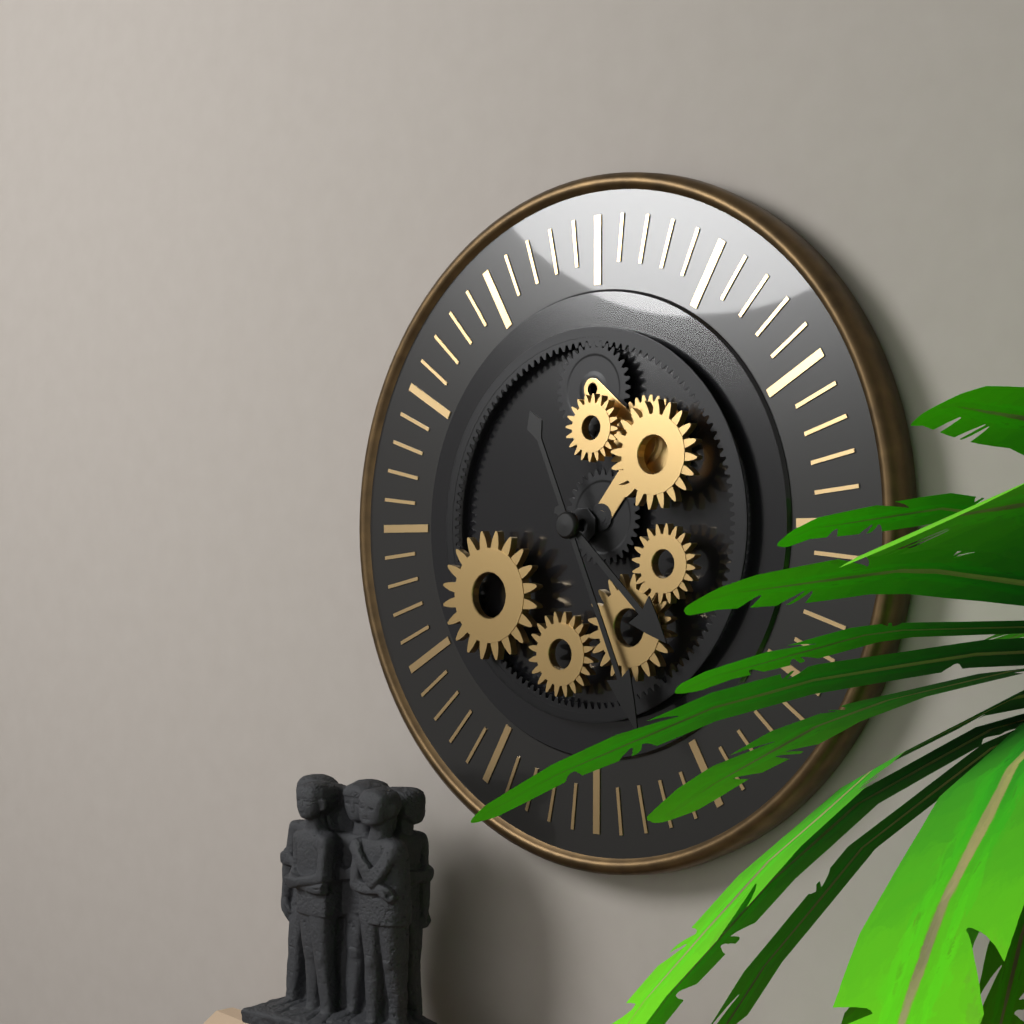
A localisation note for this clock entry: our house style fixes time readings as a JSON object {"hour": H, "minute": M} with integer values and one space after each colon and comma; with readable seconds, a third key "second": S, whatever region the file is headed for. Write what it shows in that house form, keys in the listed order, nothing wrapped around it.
{"hour": 4, "minute": 26}
